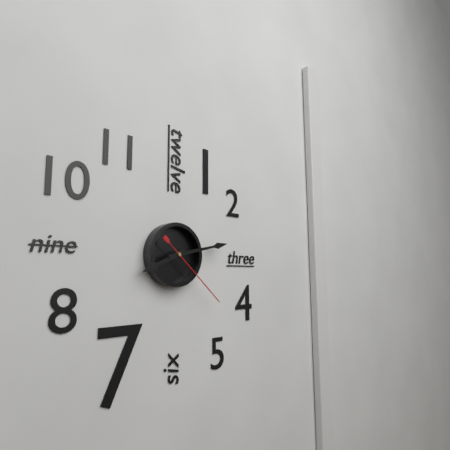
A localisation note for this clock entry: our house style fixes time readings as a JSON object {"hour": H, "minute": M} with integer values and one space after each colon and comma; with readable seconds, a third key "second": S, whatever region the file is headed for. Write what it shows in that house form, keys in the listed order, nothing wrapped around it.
{"hour": 8, "minute": 13, "second": 22}
